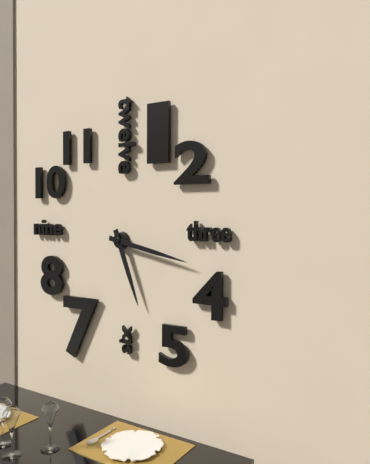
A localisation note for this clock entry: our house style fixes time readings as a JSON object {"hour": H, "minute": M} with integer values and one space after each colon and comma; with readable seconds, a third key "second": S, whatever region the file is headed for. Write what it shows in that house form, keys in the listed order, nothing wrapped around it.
{"hour": 5, "minute": 17}
